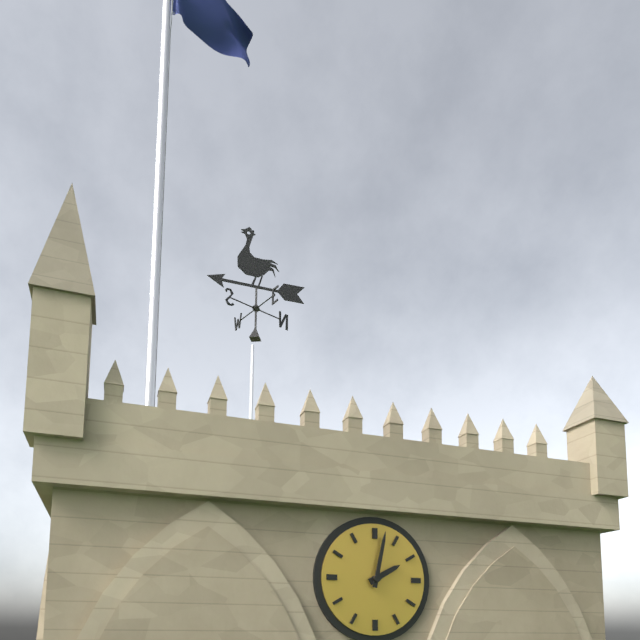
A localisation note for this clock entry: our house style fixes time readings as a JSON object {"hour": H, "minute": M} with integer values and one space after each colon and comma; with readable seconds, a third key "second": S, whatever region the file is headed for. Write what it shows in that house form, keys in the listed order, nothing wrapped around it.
{"hour": 2, "minute": 2}
